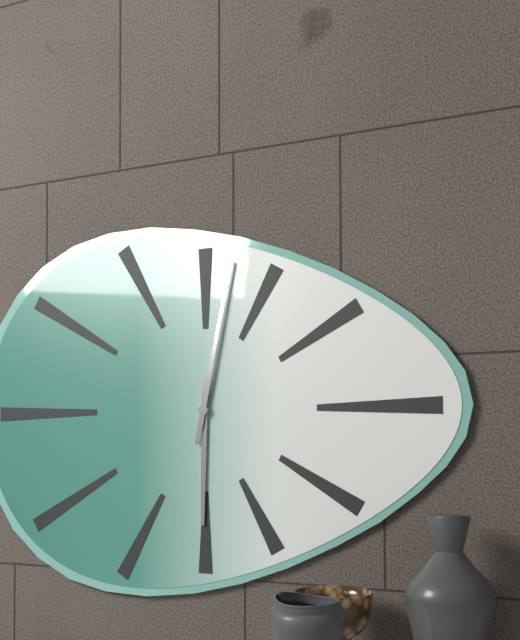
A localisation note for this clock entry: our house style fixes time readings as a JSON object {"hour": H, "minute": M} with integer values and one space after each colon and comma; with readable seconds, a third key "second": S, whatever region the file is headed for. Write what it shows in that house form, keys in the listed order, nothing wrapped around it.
{"hour": 6, "minute": 2}
